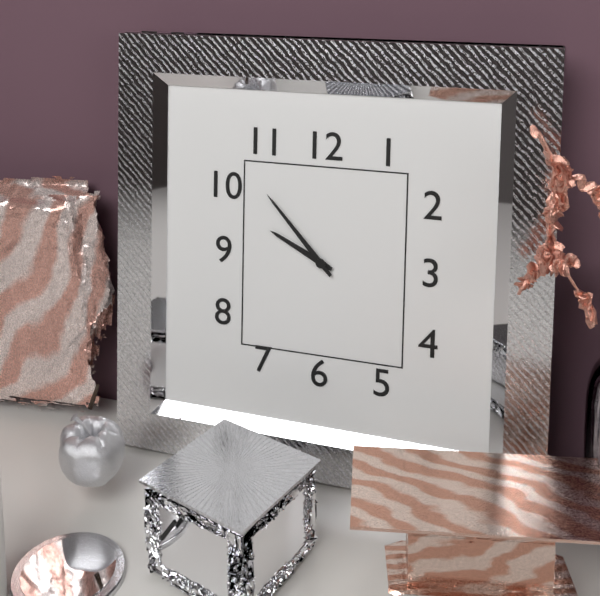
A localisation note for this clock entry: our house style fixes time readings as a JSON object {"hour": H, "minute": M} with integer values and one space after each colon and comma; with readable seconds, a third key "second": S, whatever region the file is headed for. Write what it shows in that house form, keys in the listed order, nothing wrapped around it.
{"hour": 9, "minute": 53}
